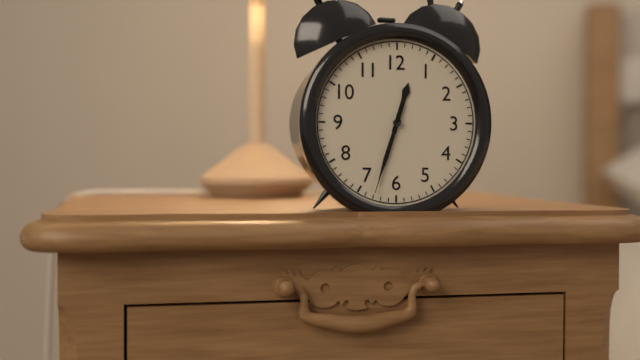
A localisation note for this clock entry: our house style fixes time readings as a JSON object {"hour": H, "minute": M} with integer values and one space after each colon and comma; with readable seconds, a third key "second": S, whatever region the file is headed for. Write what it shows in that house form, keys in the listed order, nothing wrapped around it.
{"hour": 12, "minute": 33, "second": 33}
